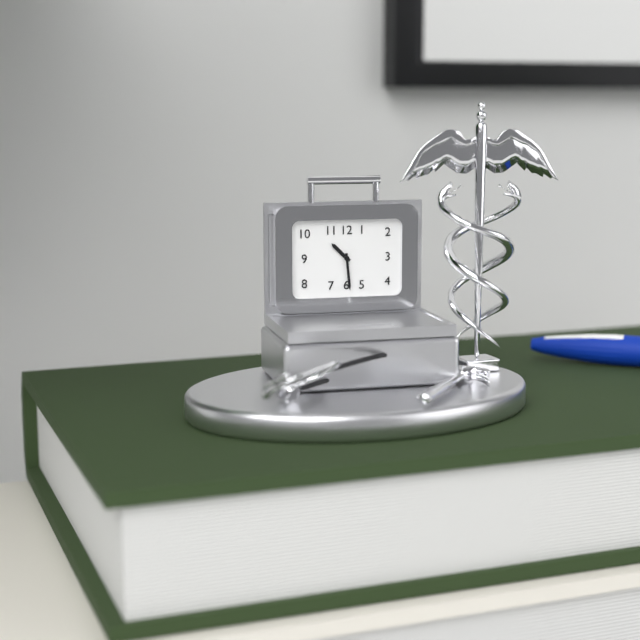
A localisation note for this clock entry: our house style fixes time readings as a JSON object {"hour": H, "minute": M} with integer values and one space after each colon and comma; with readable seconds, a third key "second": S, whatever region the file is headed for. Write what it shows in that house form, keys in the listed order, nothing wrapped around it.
{"hour": 10, "minute": 29}
